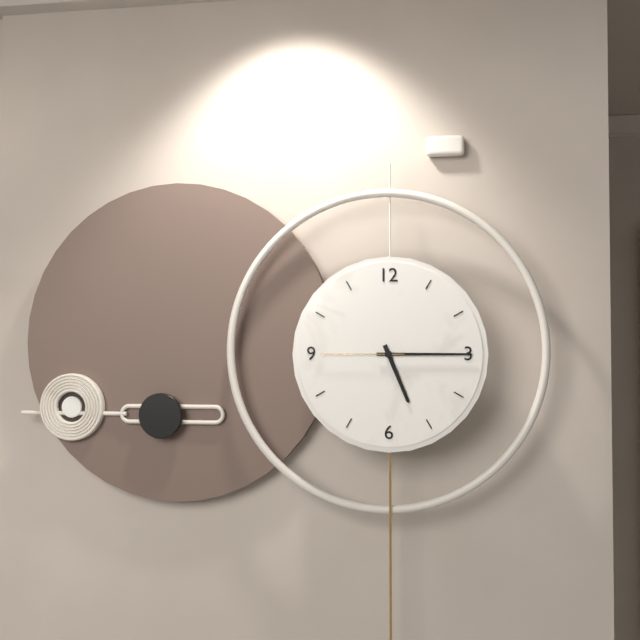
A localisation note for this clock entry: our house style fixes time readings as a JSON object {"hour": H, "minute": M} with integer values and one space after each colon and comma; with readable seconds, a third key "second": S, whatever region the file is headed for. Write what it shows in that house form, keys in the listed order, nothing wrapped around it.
{"hour": 5, "minute": 15, "second": 45}
